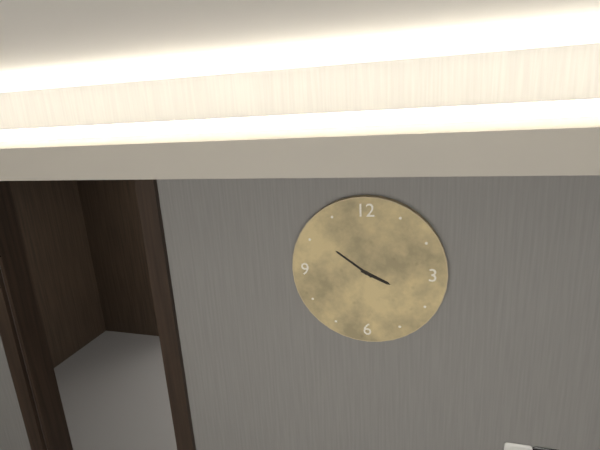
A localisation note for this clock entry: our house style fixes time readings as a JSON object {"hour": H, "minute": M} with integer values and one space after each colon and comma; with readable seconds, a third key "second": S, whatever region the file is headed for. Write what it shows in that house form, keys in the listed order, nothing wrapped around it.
{"hour": 3, "minute": 51}
